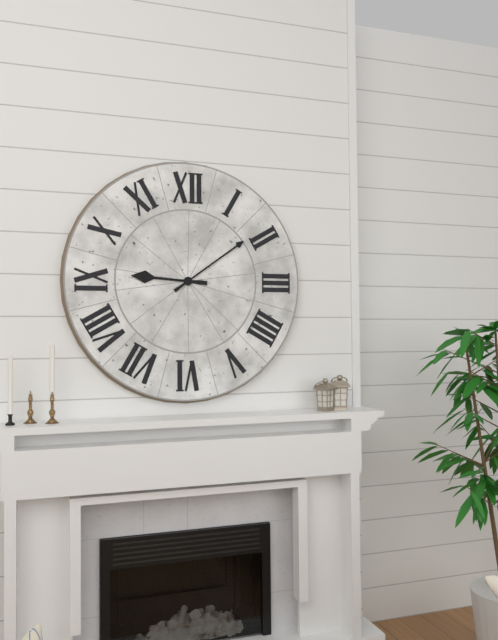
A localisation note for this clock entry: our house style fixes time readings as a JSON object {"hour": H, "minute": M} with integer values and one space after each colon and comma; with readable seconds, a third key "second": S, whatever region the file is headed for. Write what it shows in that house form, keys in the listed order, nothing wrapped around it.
{"hour": 9, "minute": 9}
